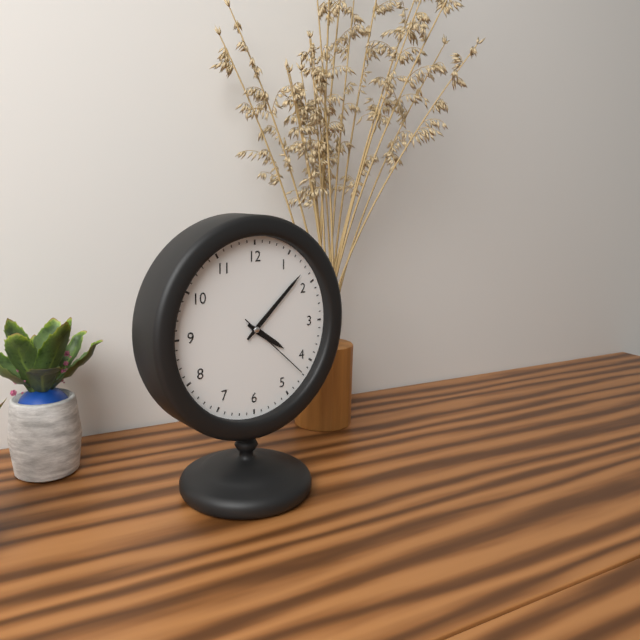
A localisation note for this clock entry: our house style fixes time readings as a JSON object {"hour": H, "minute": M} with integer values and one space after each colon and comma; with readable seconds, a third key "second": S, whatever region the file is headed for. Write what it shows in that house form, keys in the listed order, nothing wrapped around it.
{"hour": 4, "minute": 8, "second": 22}
